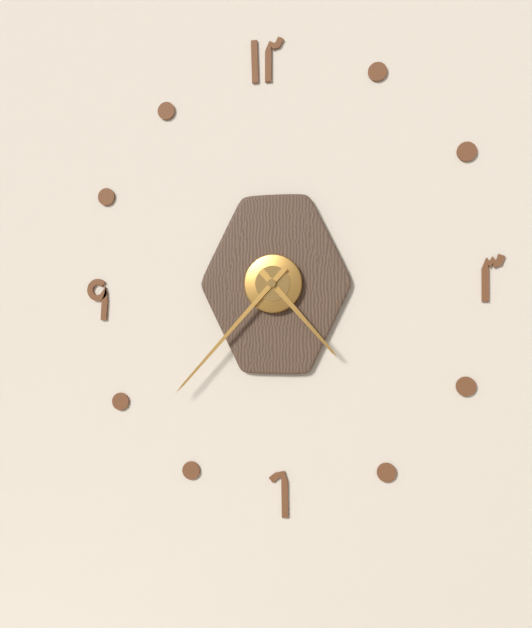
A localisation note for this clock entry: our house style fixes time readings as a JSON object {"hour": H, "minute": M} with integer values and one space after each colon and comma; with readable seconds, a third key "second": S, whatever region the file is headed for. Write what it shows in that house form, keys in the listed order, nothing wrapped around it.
{"hour": 4, "minute": 37}
